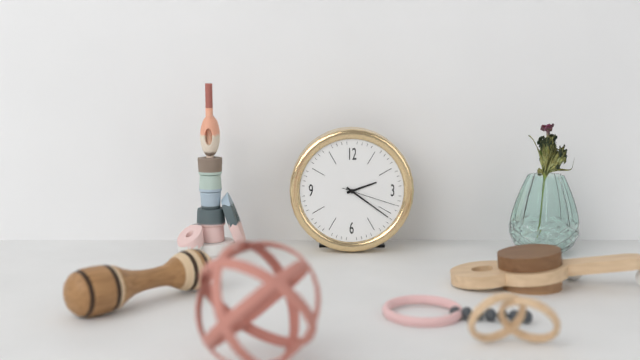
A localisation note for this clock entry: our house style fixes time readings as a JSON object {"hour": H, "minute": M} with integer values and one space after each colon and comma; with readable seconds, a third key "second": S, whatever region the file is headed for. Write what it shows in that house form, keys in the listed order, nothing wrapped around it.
{"hour": 2, "minute": 21, "second": 18}
